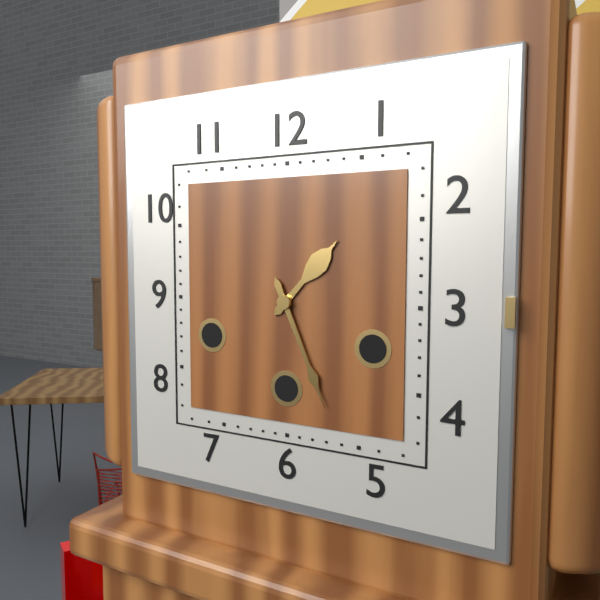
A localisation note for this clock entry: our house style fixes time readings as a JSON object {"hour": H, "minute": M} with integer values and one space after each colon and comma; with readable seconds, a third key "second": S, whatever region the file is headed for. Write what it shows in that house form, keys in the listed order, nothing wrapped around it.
{"hour": 1, "minute": 26}
